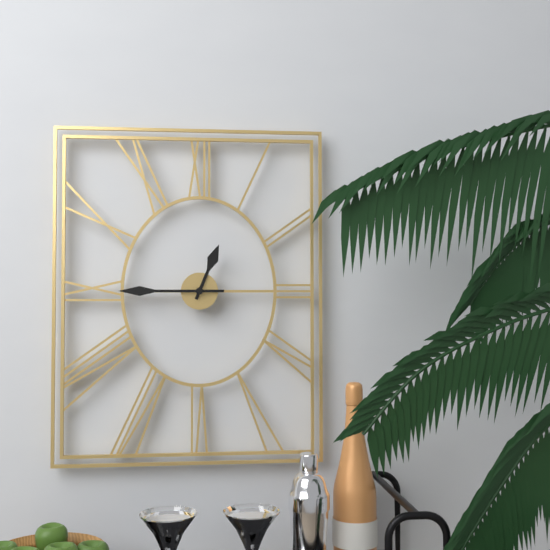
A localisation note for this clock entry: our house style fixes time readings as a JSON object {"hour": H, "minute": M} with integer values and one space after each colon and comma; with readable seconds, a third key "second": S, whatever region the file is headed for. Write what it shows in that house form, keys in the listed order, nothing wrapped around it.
{"hour": 12, "minute": 45}
